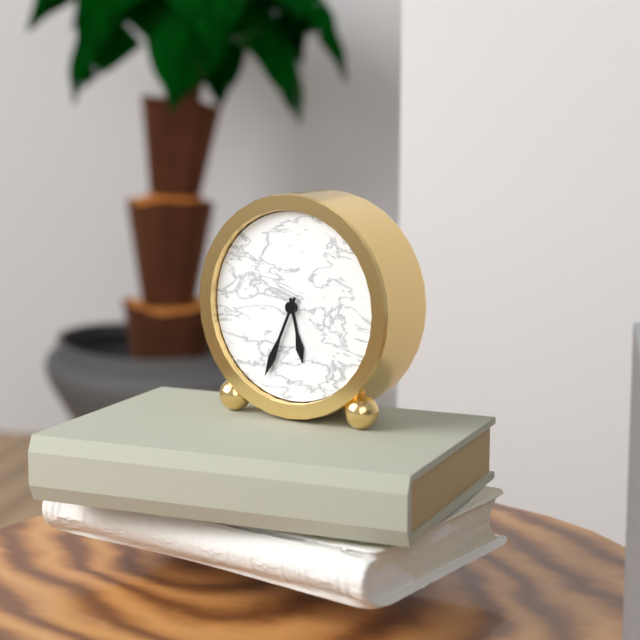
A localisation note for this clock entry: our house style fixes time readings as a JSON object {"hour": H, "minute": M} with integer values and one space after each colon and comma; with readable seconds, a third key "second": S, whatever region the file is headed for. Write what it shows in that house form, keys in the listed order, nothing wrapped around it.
{"hour": 5, "minute": 34}
